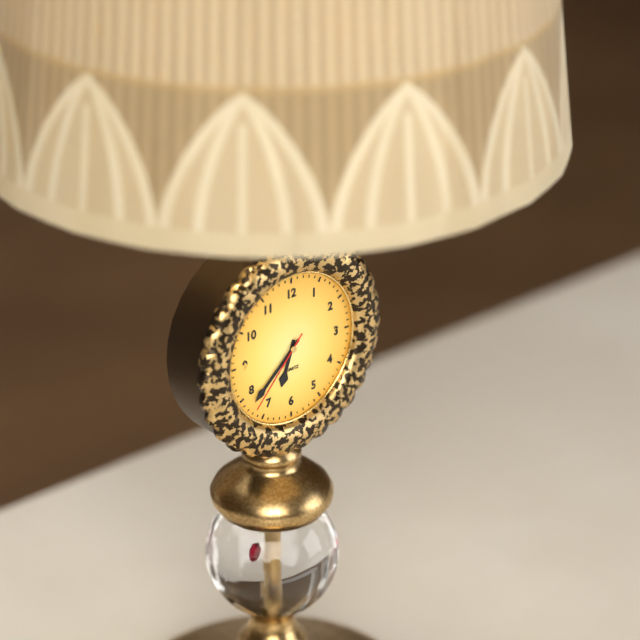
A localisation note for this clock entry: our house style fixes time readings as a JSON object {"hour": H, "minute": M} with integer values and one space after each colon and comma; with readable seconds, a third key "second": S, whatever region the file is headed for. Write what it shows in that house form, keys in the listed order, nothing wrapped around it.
{"hour": 6, "minute": 38, "second": 37}
